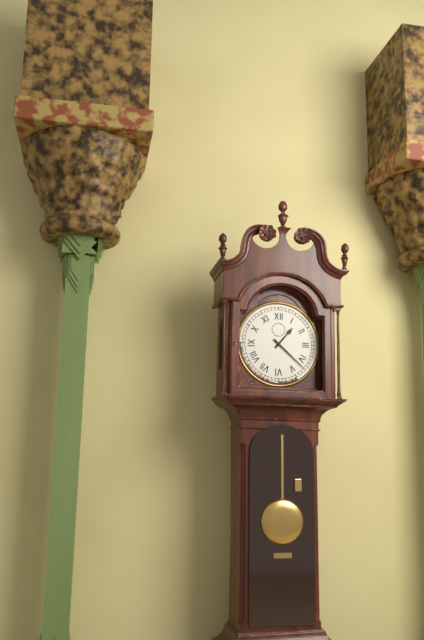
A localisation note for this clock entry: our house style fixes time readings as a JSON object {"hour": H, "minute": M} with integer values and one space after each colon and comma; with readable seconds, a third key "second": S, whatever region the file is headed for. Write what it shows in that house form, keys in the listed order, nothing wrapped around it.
{"hour": 1, "minute": 22}
